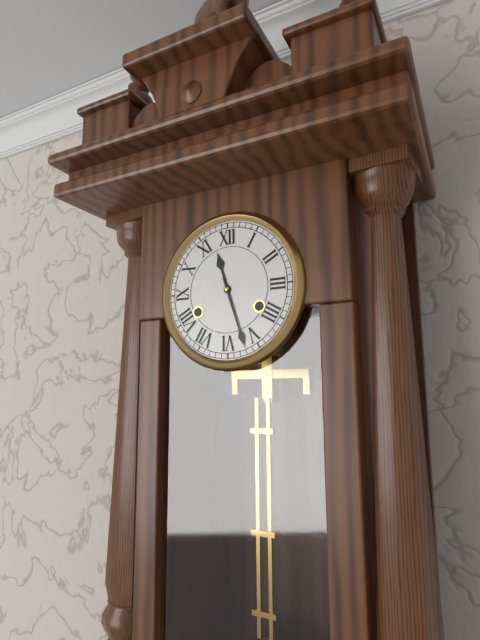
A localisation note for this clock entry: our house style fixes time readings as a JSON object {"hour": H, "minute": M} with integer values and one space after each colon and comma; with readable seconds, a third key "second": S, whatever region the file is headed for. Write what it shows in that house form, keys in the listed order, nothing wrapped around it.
{"hour": 11, "minute": 27}
